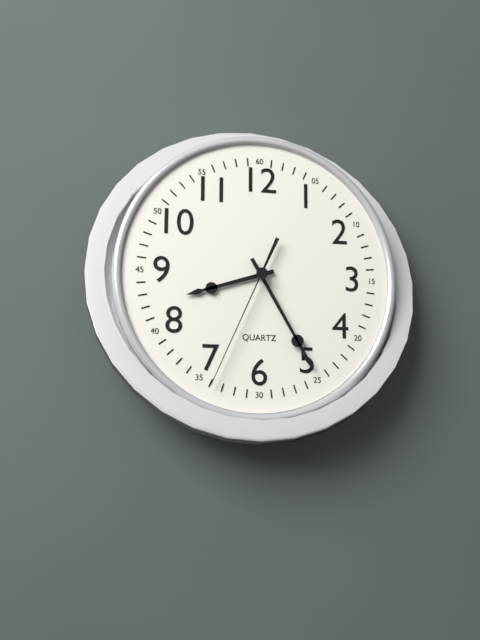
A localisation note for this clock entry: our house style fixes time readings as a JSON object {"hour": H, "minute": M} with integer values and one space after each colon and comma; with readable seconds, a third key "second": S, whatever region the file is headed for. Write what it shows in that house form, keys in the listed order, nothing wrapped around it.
{"hour": 8, "minute": 25, "second": 34}
